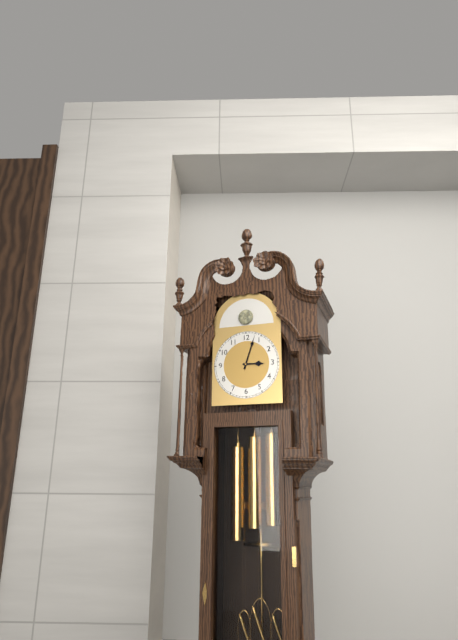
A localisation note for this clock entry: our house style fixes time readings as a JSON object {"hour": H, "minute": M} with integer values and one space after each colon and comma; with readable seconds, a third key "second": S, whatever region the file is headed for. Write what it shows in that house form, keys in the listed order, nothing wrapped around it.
{"hour": 3, "minute": 3}
